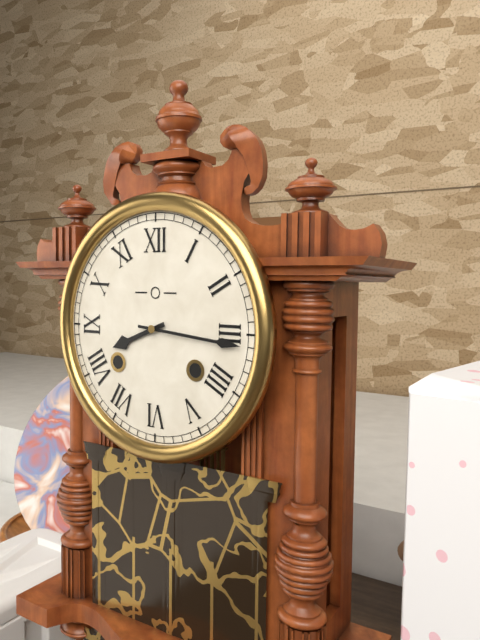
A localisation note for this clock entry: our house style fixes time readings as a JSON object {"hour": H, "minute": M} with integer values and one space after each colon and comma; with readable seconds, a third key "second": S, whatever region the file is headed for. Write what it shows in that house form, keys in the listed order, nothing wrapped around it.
{"hour": 8, "minute": 16}
